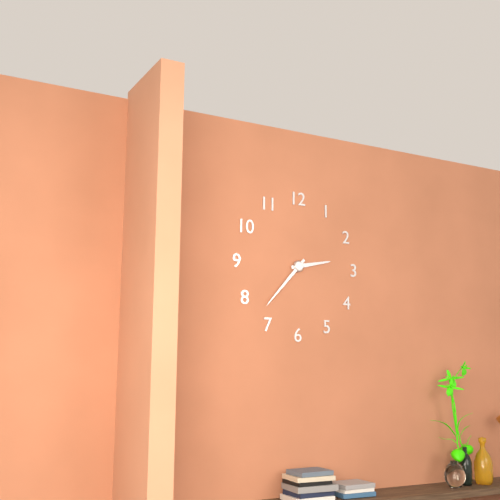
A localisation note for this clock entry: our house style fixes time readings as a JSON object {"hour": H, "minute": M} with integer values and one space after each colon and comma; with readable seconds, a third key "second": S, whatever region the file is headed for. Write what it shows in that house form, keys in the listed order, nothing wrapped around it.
{"hour": 2, "minute": 37}
